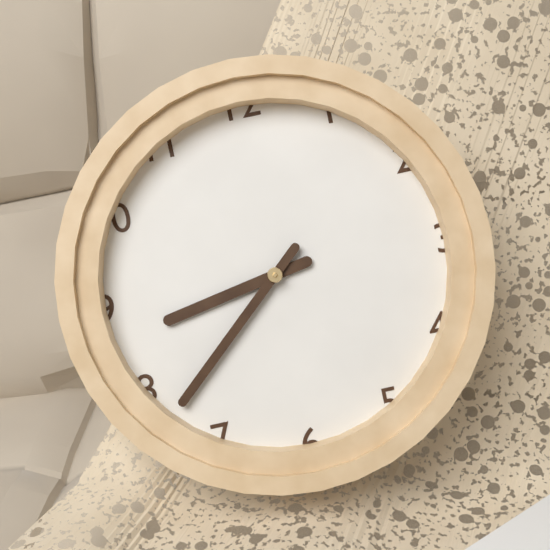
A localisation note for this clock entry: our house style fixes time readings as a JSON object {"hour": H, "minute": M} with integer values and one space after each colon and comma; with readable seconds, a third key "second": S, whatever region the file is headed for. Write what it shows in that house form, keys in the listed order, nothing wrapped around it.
{"hour": 8, "minute": 38}
